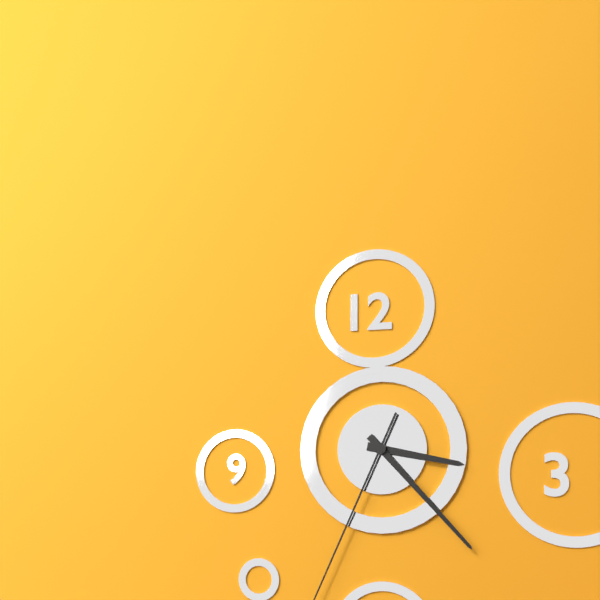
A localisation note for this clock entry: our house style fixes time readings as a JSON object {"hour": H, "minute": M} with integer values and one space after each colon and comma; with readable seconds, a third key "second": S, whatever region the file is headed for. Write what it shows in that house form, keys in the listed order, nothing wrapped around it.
{"hour": 3, "minute": 23}
